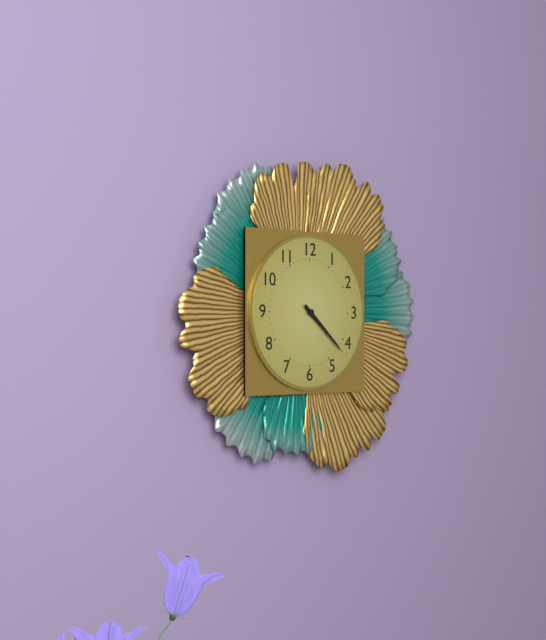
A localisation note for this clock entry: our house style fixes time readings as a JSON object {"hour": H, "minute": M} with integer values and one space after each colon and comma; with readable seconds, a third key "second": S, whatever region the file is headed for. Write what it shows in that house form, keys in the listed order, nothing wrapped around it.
{"hour": 4, "minute": 22}
